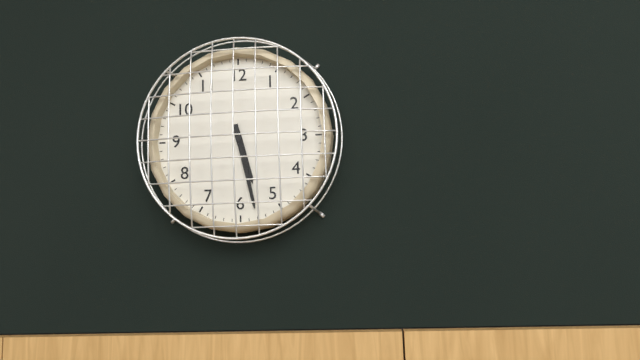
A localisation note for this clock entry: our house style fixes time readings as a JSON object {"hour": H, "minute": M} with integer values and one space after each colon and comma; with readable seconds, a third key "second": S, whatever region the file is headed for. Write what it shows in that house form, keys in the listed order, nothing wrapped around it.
{"hour": 5, "minute": 28}
